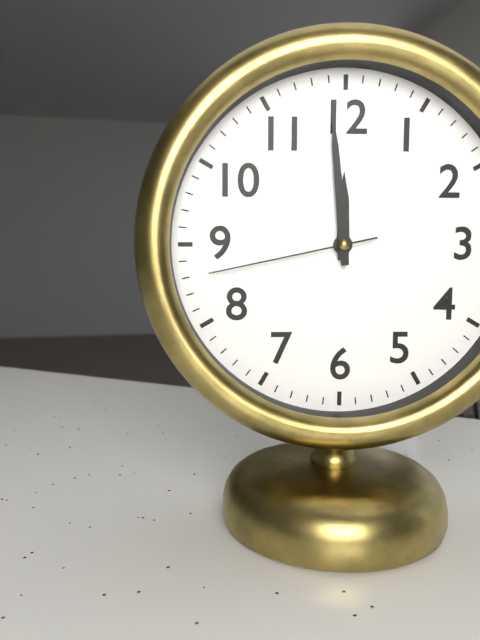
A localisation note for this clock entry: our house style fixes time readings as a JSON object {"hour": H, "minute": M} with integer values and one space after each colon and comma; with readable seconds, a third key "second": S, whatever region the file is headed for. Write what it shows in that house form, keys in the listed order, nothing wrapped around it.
{"hour": 11, "minute": 59, "second": 43}
